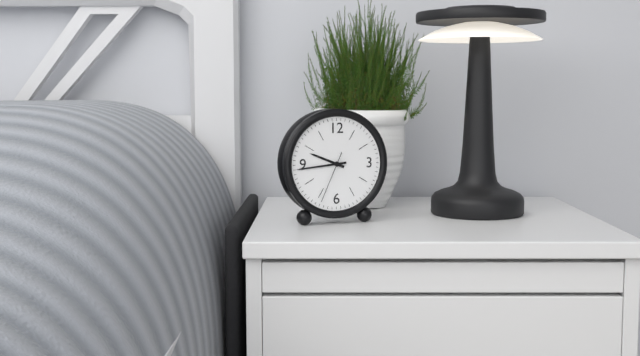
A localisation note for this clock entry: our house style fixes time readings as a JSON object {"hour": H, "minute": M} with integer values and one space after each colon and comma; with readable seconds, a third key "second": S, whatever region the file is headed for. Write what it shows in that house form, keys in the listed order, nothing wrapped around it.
{"hour": 9, "minute": 44, "second": 34}
